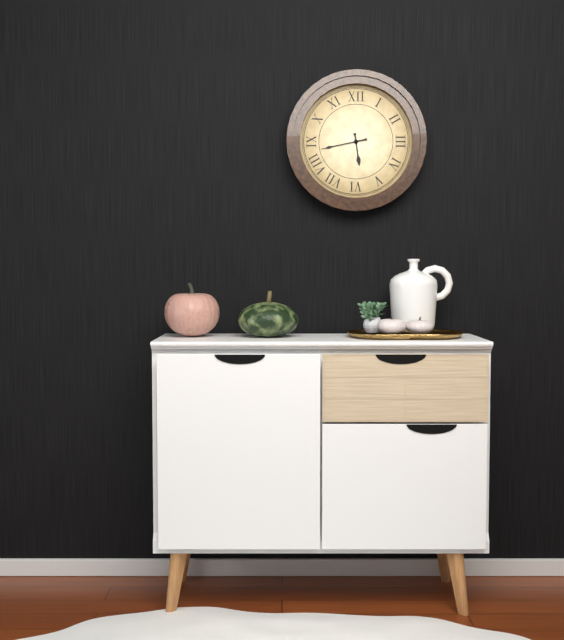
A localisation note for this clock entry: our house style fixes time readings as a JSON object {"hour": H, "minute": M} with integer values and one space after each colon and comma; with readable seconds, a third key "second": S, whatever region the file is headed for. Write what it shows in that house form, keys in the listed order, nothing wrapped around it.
{"hour": 5, "minute": 43}
